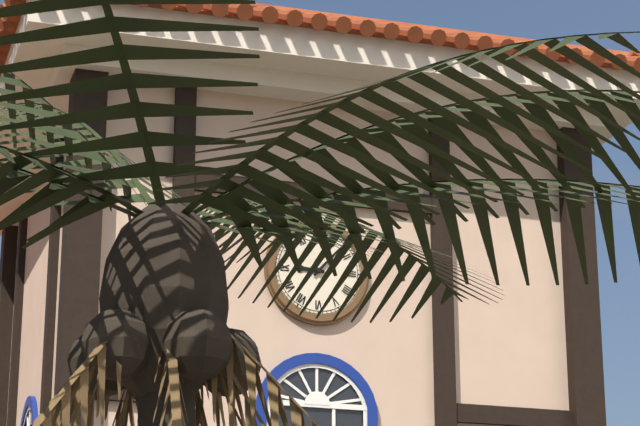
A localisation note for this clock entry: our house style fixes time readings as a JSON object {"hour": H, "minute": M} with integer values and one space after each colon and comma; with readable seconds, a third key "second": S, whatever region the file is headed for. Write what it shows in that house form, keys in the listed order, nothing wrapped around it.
{"hour": 9, "minute": 7}
